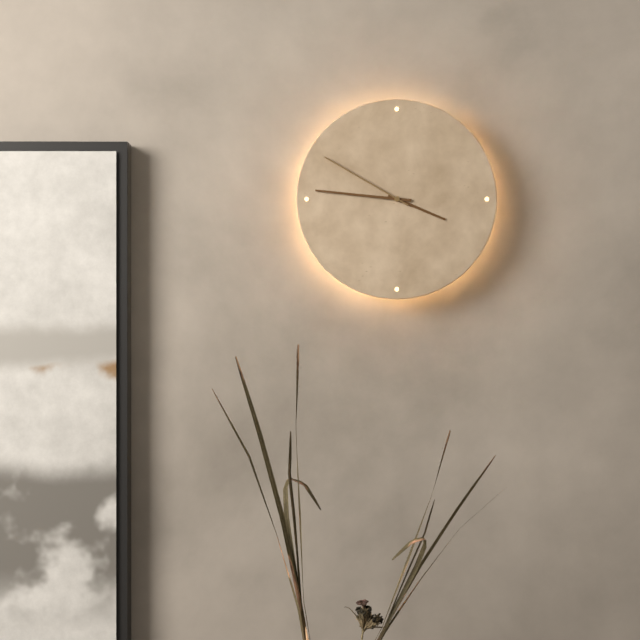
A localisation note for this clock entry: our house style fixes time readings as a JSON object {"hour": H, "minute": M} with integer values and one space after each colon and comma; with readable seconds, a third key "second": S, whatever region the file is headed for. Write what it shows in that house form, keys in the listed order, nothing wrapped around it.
{"hour": 3, "minute": 46, "second": 50}
